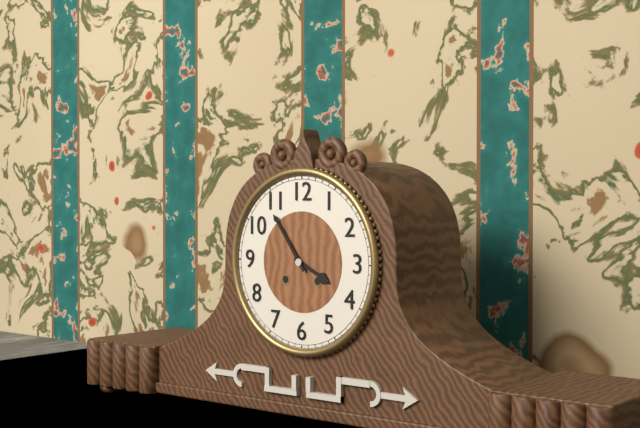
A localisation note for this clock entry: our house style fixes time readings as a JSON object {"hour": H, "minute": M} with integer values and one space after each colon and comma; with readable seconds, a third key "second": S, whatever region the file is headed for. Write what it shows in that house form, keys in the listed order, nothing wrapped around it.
{"hour": 3, "minute": 54}
